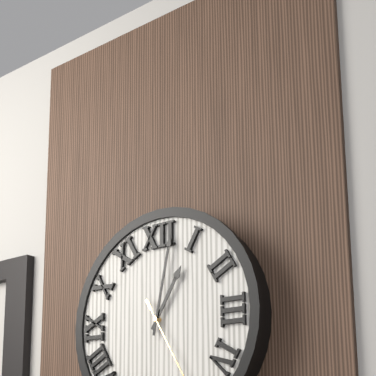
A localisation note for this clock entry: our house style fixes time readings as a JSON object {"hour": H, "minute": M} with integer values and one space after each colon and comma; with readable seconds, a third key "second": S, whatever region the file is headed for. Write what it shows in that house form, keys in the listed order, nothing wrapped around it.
{"hour": 1, "minute": 2}
